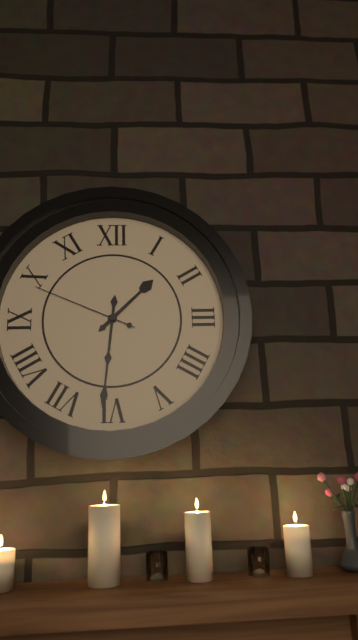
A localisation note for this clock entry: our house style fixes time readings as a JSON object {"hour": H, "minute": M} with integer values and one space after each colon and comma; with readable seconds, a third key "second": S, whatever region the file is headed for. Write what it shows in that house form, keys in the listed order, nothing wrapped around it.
{"hour": 1, "minute": 31, "second": 49}
